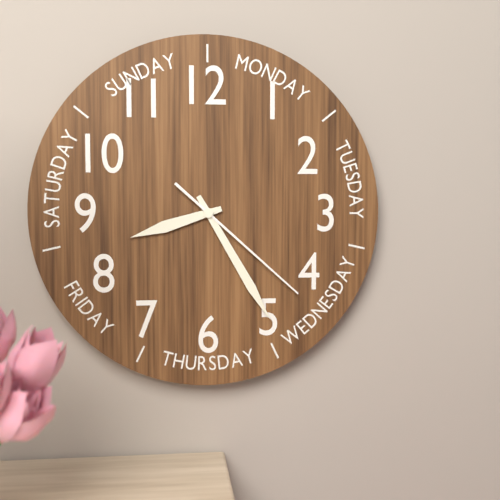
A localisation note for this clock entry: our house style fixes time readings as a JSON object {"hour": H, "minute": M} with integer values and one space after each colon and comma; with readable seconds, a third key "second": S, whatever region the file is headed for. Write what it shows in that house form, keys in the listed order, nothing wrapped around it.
{"hour": 8, "minute": 25, "second": 22}
